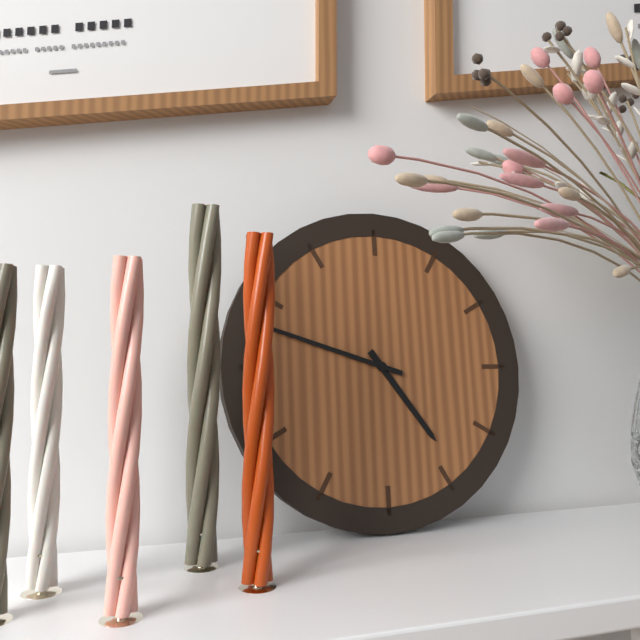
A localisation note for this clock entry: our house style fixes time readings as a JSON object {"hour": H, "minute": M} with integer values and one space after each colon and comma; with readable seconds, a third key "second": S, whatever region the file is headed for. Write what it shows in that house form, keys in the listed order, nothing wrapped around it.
{"hour": 4, "minute": 48}
